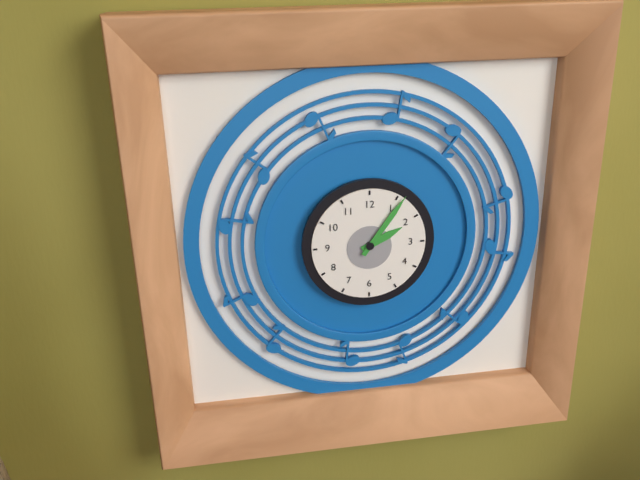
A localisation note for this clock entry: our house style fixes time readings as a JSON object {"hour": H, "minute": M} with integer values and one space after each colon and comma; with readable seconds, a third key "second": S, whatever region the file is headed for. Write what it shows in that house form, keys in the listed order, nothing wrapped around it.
{"hour": 2, "minute": 6}
